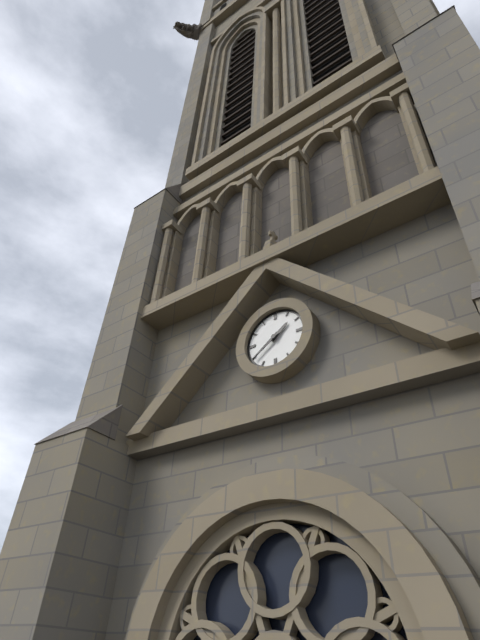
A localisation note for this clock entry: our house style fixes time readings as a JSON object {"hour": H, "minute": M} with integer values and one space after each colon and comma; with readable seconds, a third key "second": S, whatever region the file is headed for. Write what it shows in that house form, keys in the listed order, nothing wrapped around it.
{"hour": 1, "minute": 39}
